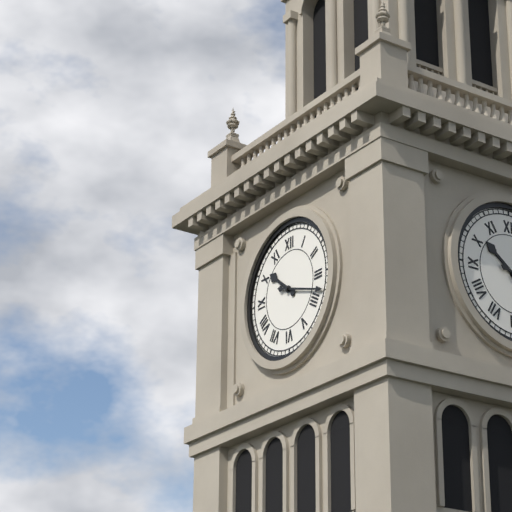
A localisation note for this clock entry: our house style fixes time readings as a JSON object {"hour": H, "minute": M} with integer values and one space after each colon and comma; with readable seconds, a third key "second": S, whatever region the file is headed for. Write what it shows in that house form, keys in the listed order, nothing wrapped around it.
{"hour": 10, "minute": 18}
